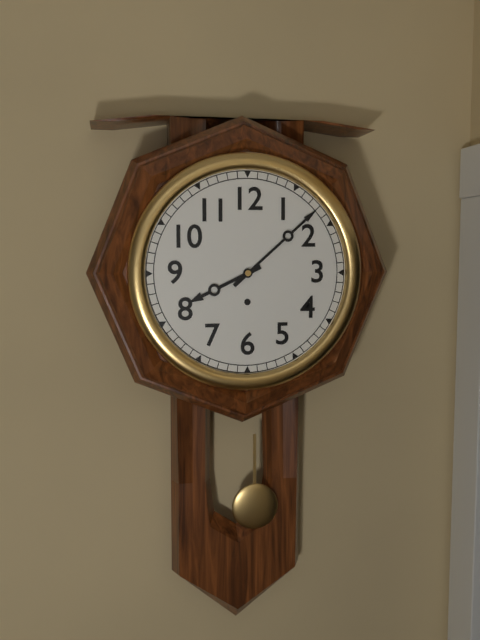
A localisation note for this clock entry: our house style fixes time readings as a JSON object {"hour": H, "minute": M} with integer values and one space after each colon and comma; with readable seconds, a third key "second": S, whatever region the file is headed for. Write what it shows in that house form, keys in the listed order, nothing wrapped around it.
{"hour": 8, "minute": 8}
